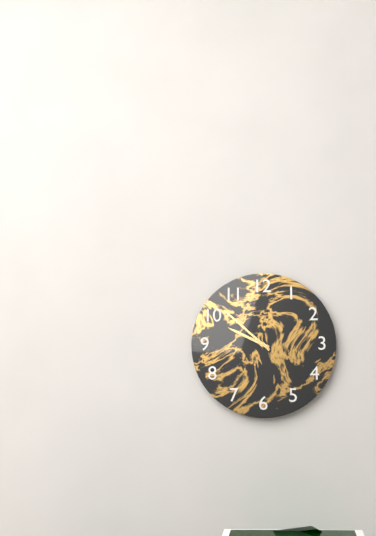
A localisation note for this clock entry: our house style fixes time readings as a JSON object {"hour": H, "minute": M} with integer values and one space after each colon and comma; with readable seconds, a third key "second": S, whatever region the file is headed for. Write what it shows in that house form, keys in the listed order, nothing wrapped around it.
{"hour": 9, "minute": 52}
